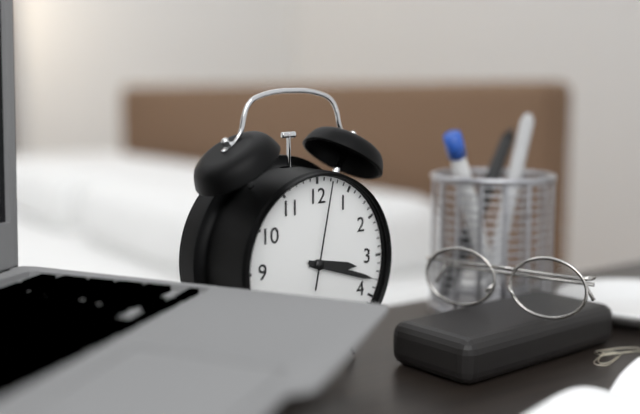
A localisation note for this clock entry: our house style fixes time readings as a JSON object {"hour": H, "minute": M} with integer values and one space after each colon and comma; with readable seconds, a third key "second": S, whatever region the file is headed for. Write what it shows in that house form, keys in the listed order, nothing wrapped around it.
{"hour": 3, "minute": 18, "second": 2}
